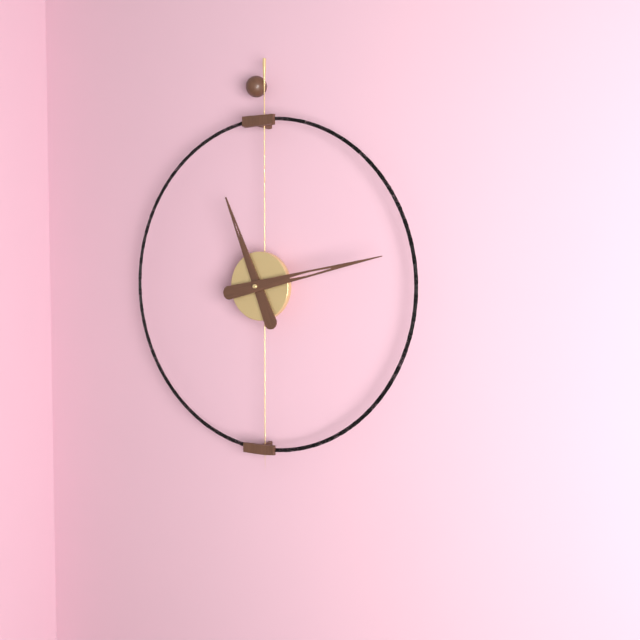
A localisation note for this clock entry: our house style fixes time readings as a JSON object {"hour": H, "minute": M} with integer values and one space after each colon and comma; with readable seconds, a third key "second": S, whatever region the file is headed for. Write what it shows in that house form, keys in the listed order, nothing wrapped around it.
{"hour": 11, "minute": 13}
